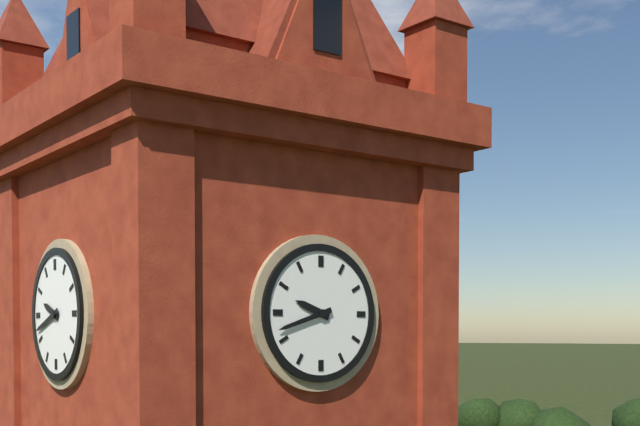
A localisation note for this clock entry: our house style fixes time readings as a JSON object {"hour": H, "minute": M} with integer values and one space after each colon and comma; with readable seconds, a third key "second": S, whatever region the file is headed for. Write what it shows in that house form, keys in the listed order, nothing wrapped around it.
{"hour": 9, "minute": 42}
